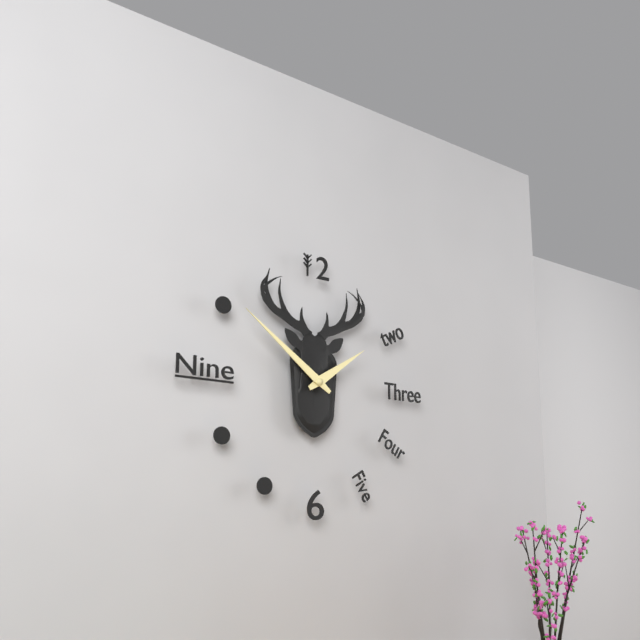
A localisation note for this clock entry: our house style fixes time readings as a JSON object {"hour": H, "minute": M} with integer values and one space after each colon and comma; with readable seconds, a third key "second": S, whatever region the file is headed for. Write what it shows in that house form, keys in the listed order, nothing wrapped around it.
{"hour": 1, "minute": 51}
